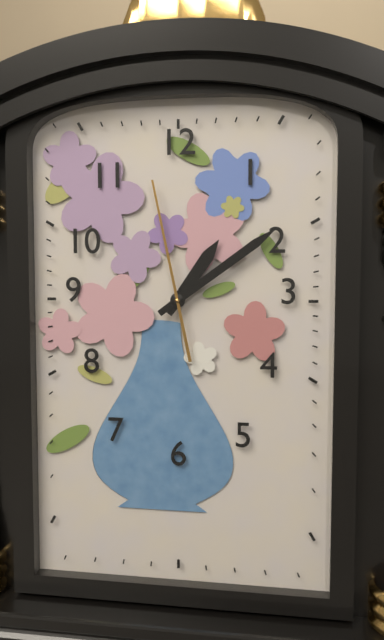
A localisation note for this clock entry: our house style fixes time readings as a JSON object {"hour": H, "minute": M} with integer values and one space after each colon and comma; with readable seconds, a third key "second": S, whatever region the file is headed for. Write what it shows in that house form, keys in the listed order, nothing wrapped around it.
{"hour": 1, "minute": 9, "second": 58}
